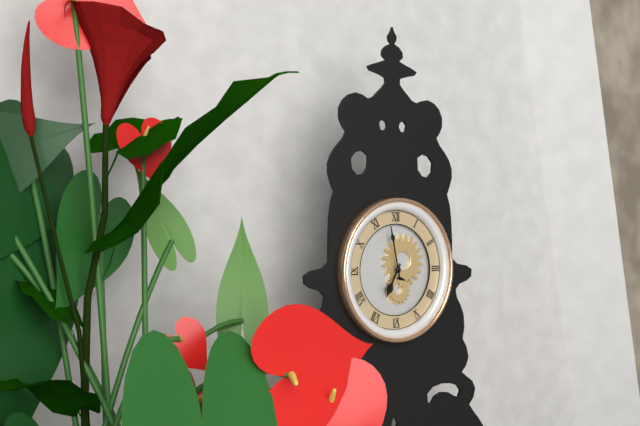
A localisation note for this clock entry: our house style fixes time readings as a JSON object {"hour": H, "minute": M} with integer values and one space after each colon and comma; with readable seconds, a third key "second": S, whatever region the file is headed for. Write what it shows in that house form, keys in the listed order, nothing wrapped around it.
{"hour": 6, "minute": 58}
